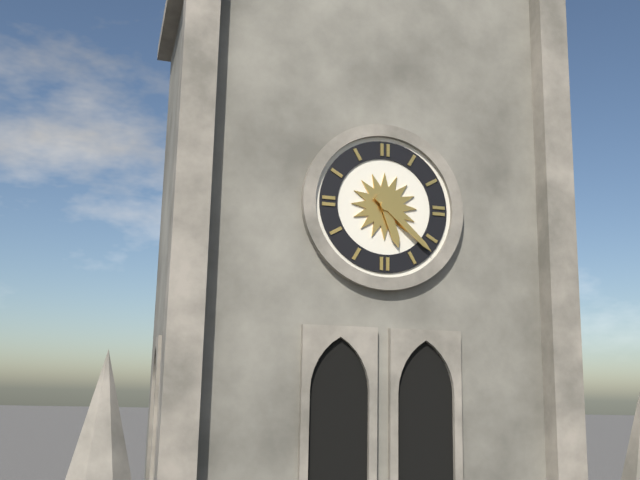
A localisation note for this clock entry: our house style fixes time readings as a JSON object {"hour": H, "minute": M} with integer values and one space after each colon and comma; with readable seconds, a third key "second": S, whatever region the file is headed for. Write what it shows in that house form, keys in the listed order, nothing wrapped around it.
{"hour": 5, "minute": 22}
